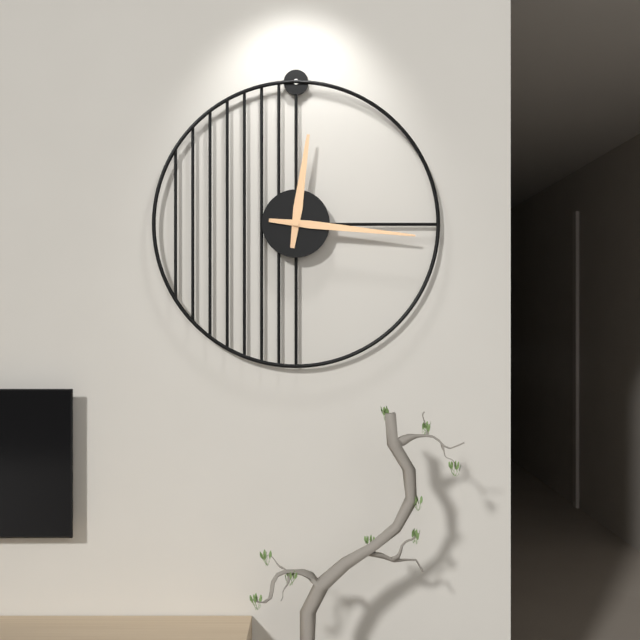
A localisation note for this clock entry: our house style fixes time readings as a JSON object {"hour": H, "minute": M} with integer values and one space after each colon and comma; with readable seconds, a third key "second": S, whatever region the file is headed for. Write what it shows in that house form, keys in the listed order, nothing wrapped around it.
{"hour": 12, "minute": 16}
